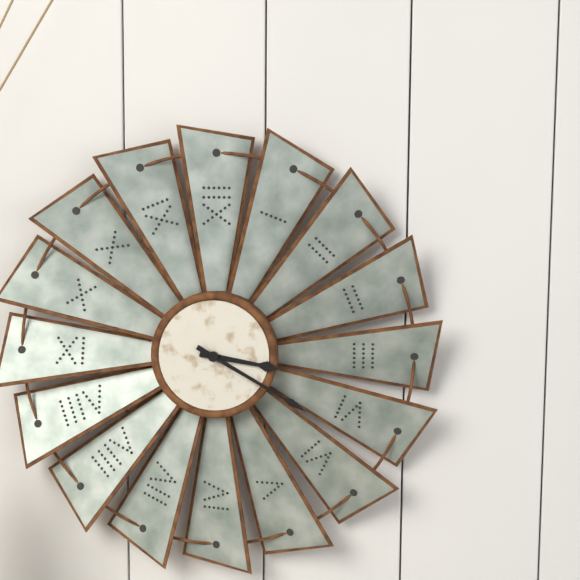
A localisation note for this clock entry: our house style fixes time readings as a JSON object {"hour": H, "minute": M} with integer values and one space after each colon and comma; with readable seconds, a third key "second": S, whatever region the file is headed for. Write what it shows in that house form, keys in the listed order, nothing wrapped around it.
{"hour": 3, "minute": 20}
